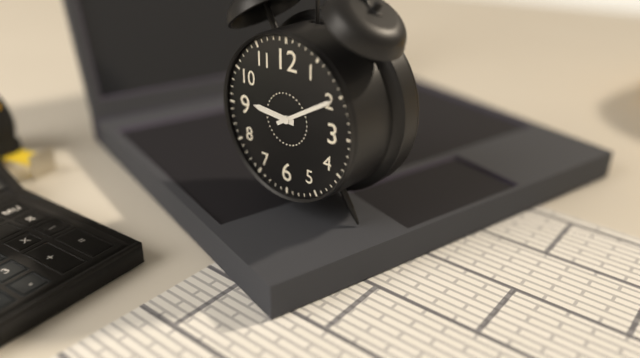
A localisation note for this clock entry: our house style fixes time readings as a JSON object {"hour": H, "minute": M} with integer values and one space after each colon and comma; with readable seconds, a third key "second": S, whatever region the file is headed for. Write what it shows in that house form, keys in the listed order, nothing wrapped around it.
{"hour": 9, "minute": 10}
